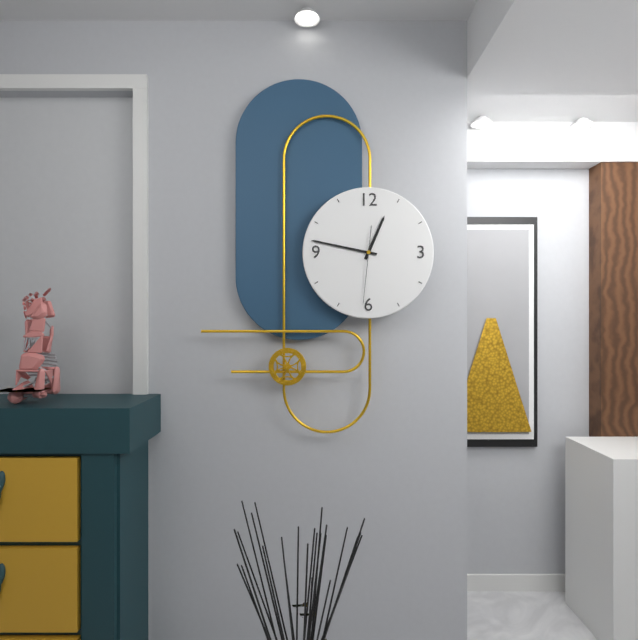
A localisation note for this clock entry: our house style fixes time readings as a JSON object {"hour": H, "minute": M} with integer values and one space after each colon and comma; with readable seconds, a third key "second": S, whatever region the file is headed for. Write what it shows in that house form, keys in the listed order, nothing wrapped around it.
{"hour": 12, "minute": 47, "second": 31}
